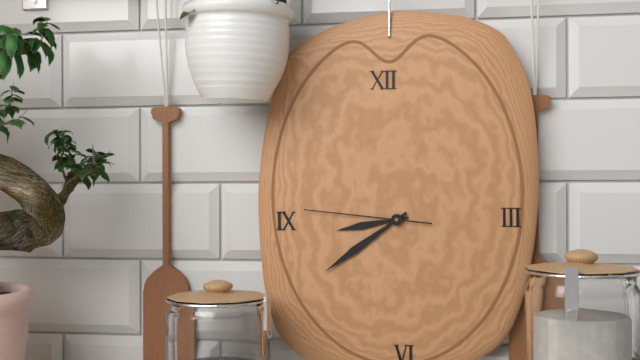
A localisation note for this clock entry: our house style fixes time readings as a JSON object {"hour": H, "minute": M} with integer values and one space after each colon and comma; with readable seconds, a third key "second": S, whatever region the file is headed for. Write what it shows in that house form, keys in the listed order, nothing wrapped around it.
{"hour": 8, "minute": 39, "second": 46}
